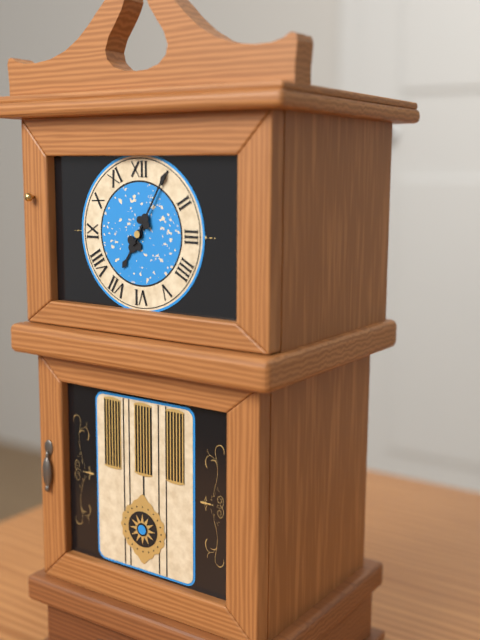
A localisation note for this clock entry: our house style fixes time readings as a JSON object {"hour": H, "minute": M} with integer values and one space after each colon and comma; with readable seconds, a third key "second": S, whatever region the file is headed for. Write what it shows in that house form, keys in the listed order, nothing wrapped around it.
{"hour": 7, "minute": 5}
